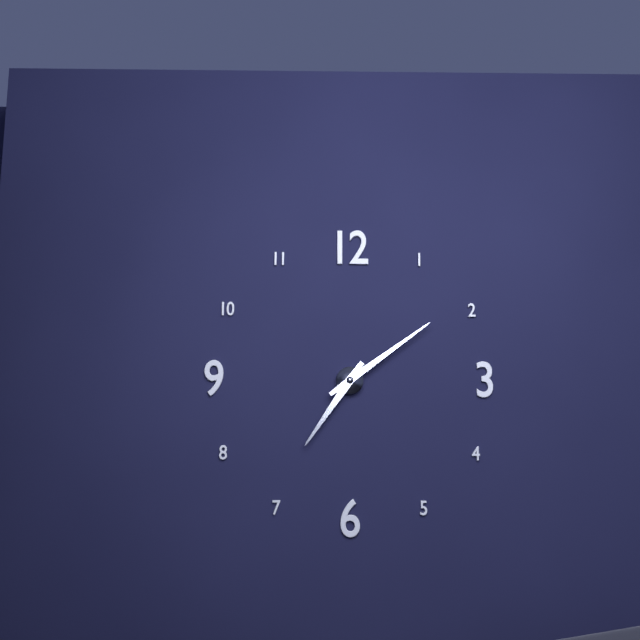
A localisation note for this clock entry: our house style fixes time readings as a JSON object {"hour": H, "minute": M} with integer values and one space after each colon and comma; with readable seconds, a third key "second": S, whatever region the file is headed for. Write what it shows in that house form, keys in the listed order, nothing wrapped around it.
{"hour": 7, "minute": 9}
